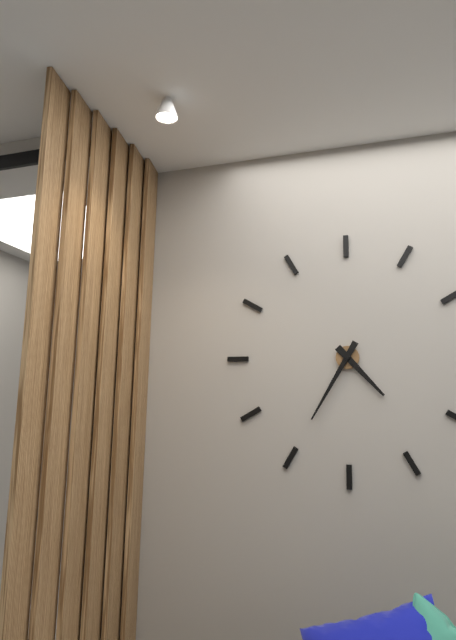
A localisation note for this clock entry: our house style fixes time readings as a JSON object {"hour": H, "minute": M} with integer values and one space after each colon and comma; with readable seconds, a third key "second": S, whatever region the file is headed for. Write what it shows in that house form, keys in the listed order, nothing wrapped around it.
{"hour": 4, "minute": 35}
